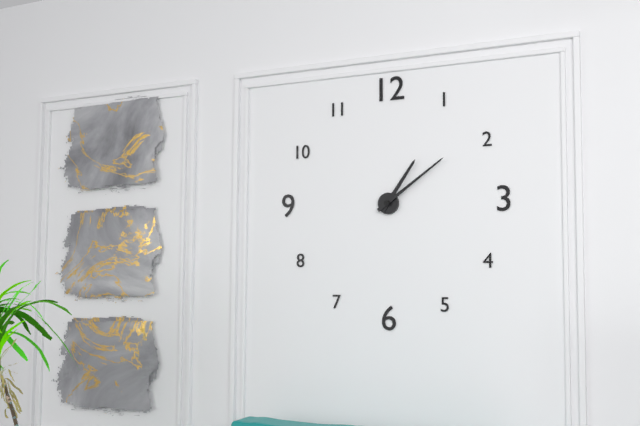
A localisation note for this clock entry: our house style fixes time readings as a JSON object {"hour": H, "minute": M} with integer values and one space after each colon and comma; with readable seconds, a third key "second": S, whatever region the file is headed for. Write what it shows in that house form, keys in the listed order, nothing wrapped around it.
{"hour": 1, "minute": 9}
